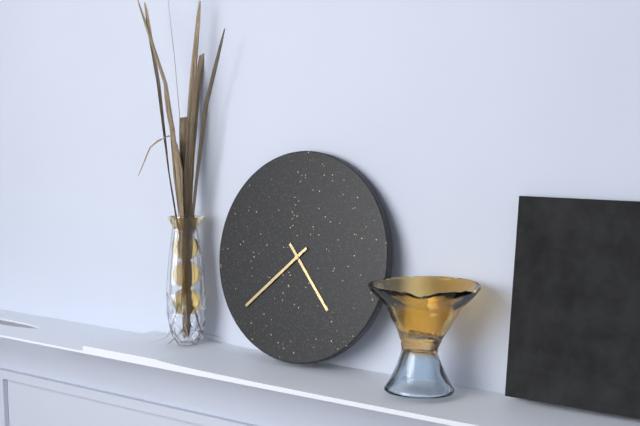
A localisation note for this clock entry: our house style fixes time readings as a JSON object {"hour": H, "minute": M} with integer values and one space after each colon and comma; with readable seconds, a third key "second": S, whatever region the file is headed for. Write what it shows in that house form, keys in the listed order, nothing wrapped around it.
{"hour": 4, "minute": 38}
